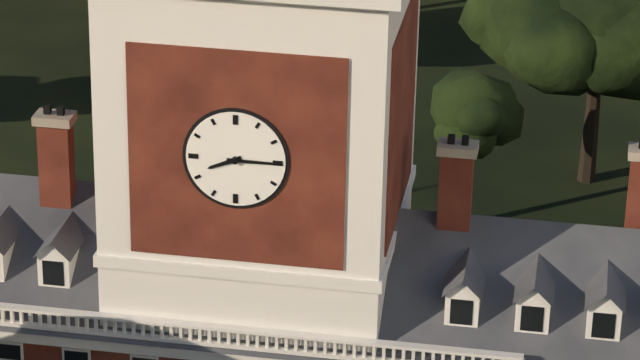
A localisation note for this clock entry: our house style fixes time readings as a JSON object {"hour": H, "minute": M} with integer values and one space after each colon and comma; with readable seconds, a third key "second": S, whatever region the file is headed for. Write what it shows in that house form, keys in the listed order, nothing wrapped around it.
{"hour": 8, "minute": 15}
